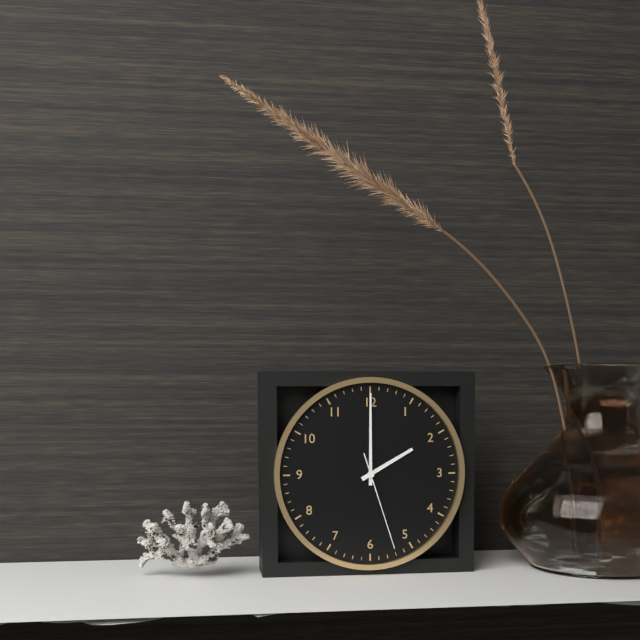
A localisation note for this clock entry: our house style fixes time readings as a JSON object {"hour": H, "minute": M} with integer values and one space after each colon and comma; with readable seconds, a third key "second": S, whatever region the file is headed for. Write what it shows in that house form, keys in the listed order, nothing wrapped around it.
{"hour": 2, "minute": 0, "second": 27}
